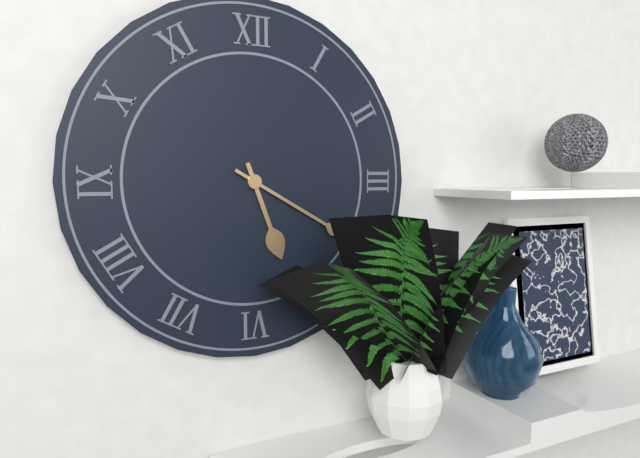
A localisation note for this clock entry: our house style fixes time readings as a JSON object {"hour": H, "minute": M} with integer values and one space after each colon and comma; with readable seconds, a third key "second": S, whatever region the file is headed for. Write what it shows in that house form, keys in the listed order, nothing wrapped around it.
{"hour": 5, "minute": 20}
